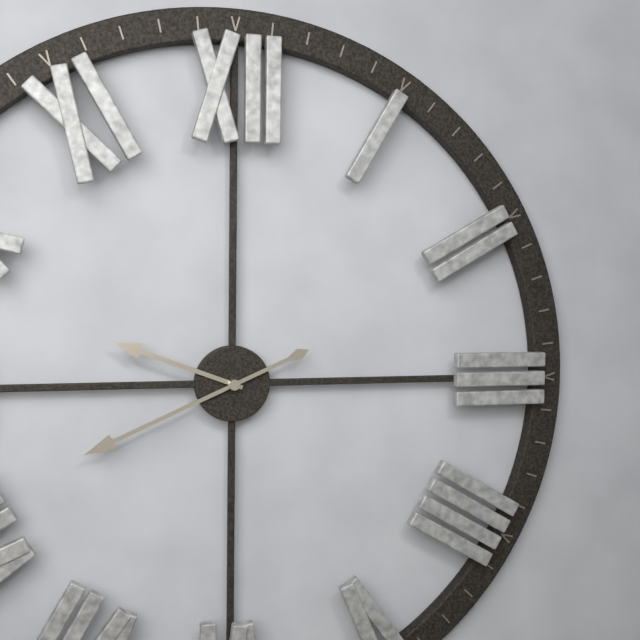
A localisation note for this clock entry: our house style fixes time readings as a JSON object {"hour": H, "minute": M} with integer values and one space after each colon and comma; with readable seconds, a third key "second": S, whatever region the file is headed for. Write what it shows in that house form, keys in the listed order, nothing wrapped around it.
{"hour": 9, "minute": 41}
